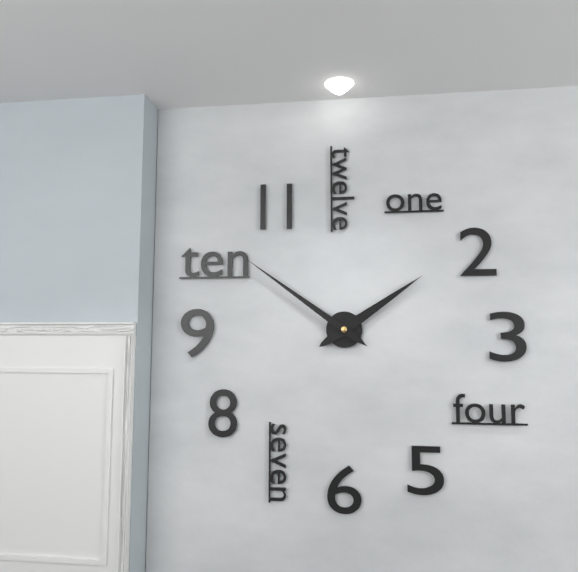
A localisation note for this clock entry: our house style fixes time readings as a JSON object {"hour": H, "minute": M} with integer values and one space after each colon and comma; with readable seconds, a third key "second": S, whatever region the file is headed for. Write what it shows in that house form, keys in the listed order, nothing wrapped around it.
{"hour": 1, "minute": 51}
